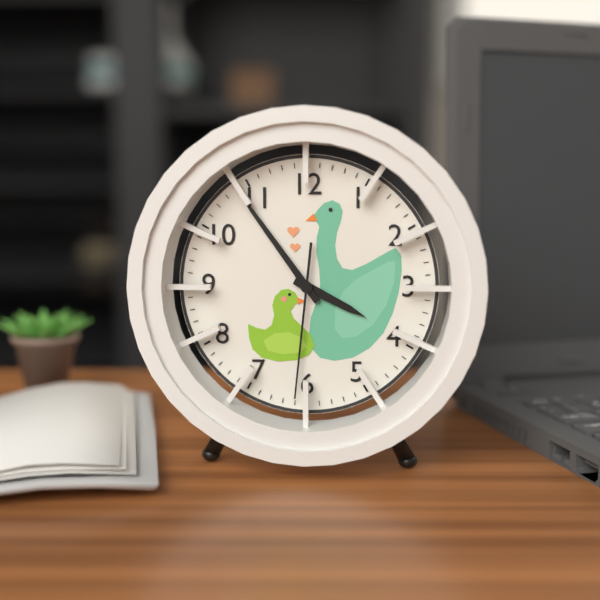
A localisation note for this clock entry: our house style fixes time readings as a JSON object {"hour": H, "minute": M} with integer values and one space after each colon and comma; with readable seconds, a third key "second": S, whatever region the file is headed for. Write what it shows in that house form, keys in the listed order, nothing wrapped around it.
{"hour": 3, "minute": 54, "second": 31}
